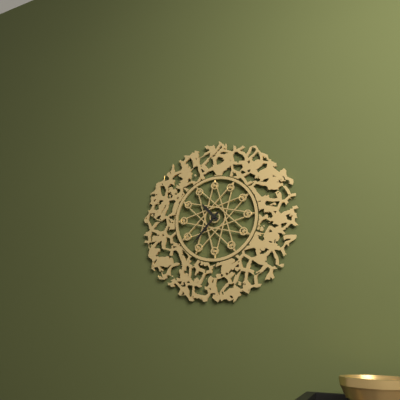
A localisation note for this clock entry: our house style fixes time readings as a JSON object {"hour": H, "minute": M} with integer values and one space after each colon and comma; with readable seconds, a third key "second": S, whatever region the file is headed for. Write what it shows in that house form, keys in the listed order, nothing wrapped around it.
{"hour": 10, "minute": 37}
